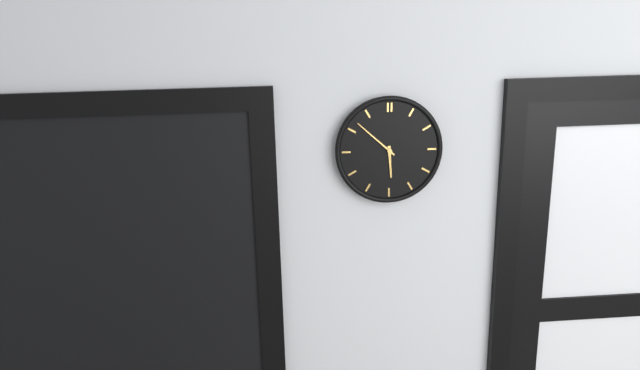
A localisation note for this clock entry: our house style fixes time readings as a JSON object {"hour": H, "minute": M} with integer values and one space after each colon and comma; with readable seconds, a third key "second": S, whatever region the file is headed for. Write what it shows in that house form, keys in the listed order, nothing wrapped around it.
{"hour": 5, "minute": 52}
